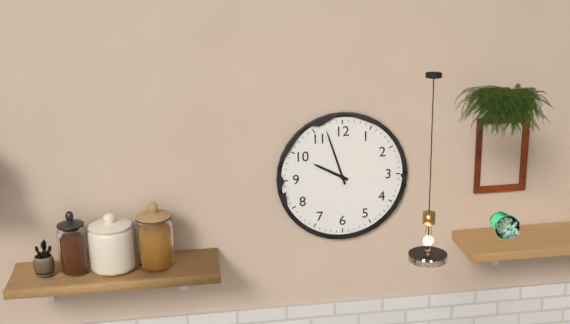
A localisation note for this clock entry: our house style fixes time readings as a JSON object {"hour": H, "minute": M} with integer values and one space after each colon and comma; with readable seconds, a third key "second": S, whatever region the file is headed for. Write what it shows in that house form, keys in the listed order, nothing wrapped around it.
{"hour": 9, "minute": 57}
